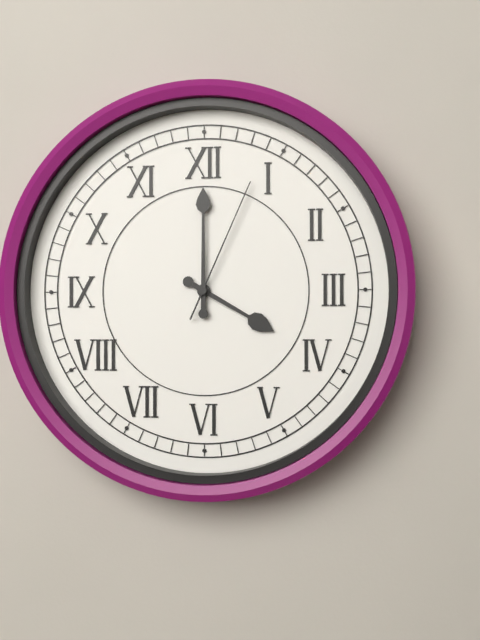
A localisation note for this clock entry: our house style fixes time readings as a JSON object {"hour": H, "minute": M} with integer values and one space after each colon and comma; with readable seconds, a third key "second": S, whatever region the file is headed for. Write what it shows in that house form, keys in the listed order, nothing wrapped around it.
{"hour": 4, "minute": 0, "second": 4}
